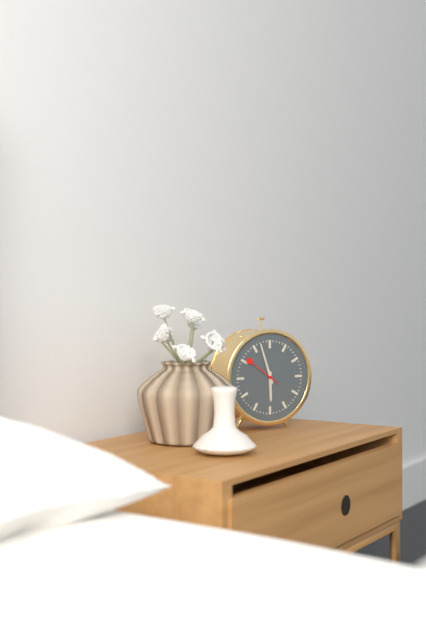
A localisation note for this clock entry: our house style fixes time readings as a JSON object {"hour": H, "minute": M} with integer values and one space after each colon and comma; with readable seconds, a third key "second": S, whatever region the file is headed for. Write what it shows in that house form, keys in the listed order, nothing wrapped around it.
{"hour": 5, "minute": 57}
